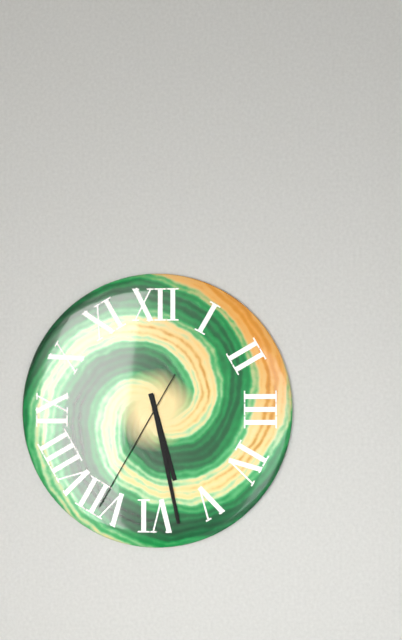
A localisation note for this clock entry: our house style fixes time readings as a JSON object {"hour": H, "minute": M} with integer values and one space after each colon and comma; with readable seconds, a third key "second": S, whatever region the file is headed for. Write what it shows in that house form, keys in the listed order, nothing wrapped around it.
{"hour": 5, "minute": 28, "second": 35}
